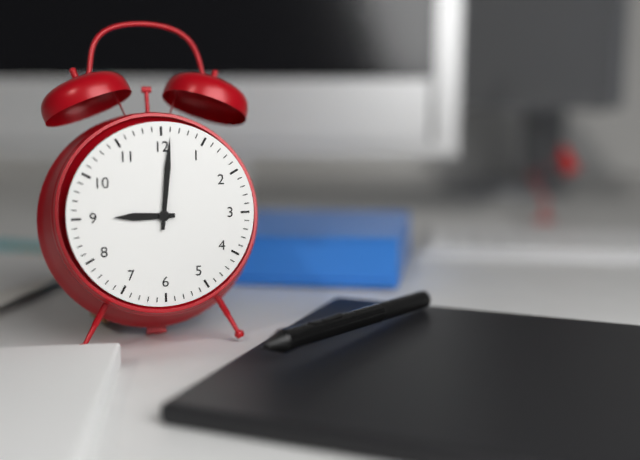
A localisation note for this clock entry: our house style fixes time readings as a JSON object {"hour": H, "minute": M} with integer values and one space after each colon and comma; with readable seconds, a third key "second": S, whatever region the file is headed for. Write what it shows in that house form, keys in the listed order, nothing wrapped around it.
{"hour": 9, "minute": 1}
